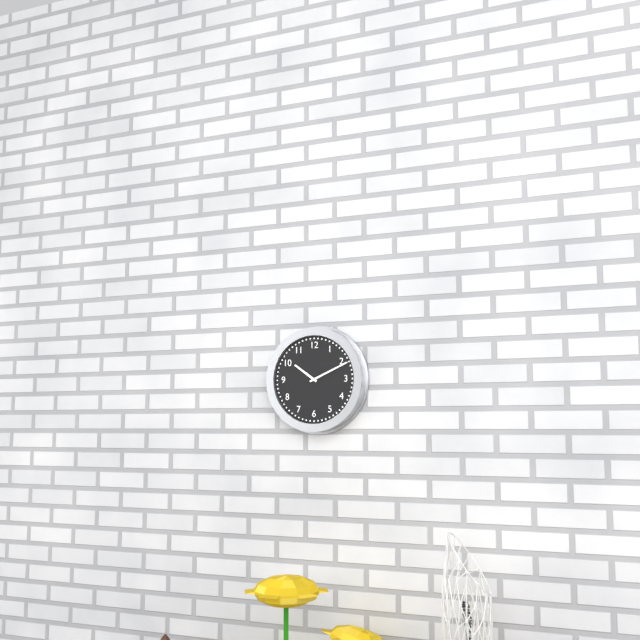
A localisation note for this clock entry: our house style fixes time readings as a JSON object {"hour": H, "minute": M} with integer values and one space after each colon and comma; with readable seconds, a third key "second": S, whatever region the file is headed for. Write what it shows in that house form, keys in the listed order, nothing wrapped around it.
{"hour": 10, "minute": 11}
